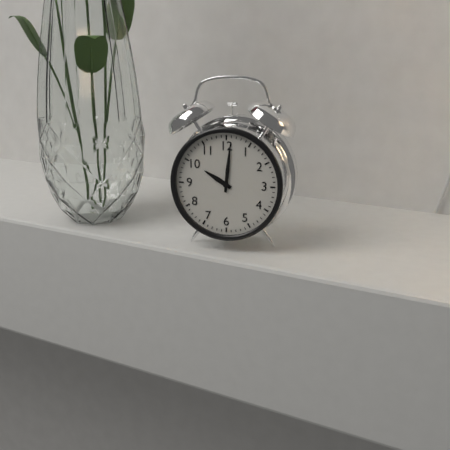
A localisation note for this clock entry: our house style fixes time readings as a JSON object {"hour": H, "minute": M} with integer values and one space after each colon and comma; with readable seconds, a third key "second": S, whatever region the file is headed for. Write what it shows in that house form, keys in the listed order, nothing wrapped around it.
{"hour": 10, "minute": 1}
